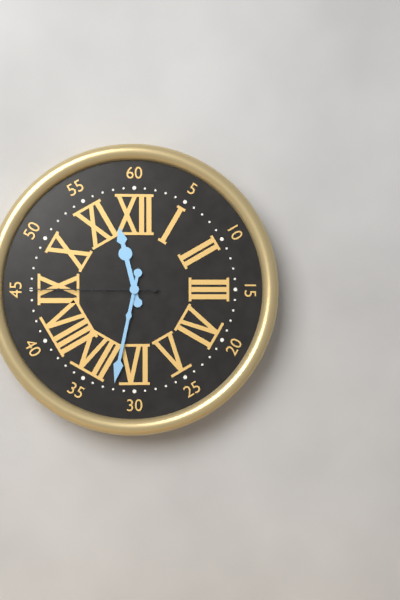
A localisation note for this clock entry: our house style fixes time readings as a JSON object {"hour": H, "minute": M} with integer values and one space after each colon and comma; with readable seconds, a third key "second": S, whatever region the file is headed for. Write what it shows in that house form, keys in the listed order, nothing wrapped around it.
{"hour": 11, "minute": 32, "second": 45}
